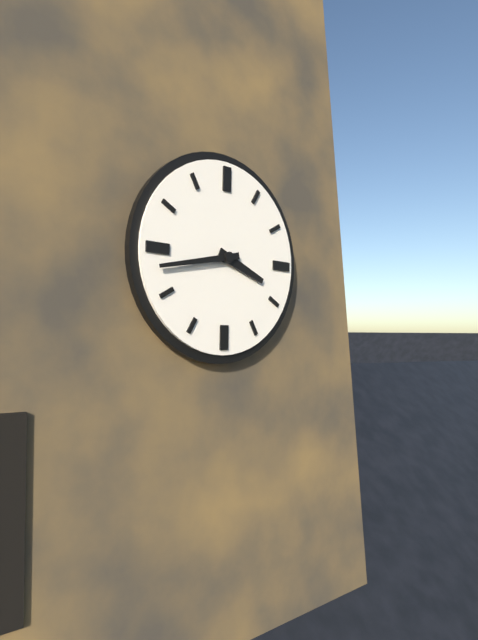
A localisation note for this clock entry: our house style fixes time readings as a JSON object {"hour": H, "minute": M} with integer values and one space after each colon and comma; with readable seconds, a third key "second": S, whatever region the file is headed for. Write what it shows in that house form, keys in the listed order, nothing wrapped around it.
{"hour": 3, "minute": 43}
